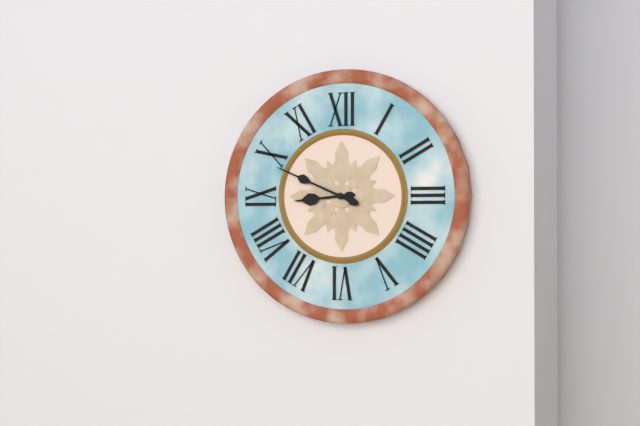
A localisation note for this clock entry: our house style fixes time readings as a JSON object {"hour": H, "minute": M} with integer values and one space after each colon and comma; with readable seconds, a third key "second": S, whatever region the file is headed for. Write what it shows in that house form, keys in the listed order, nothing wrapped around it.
{"hour": 8, "minute": 49}
